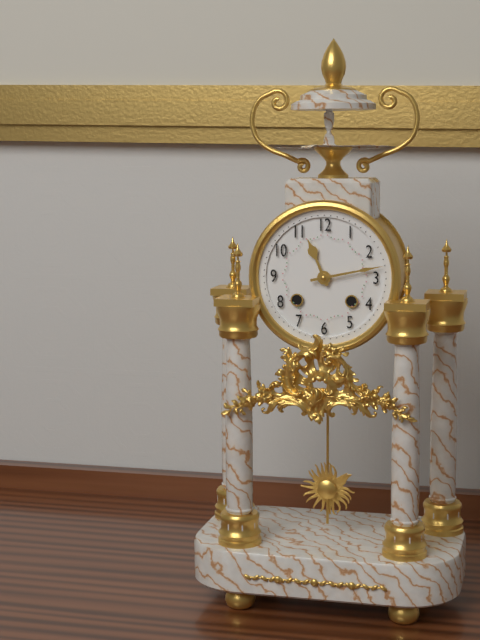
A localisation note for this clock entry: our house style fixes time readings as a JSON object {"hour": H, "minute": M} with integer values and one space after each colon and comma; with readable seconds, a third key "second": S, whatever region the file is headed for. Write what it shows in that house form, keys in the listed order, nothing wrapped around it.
{"hour": 11, "minute": 13}
